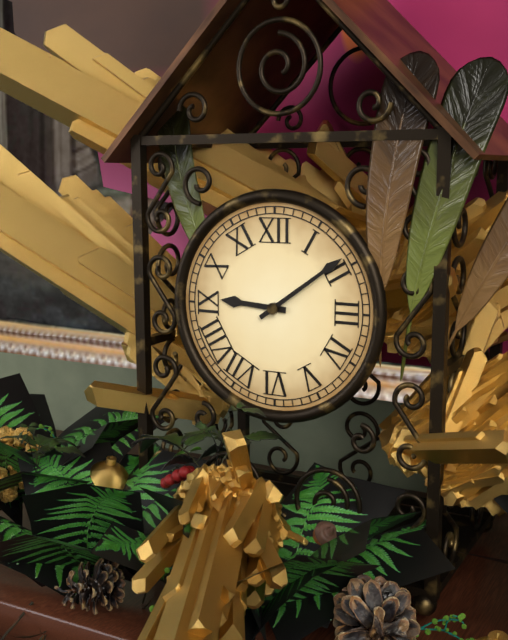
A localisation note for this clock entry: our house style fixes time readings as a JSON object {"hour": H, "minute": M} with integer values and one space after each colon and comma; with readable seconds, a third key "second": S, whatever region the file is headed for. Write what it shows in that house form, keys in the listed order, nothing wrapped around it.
{"hour": 9, "minute": 9}
